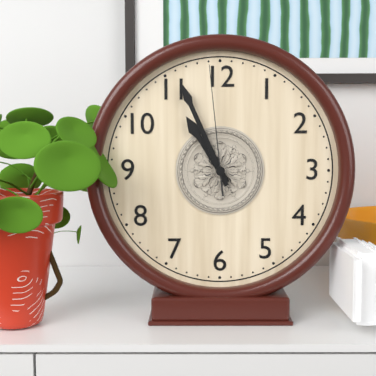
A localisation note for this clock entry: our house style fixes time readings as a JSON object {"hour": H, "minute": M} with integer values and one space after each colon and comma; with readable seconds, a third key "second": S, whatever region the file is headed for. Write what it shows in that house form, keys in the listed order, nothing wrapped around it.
{"hour": 10, "minute": 56, "second": 59}
